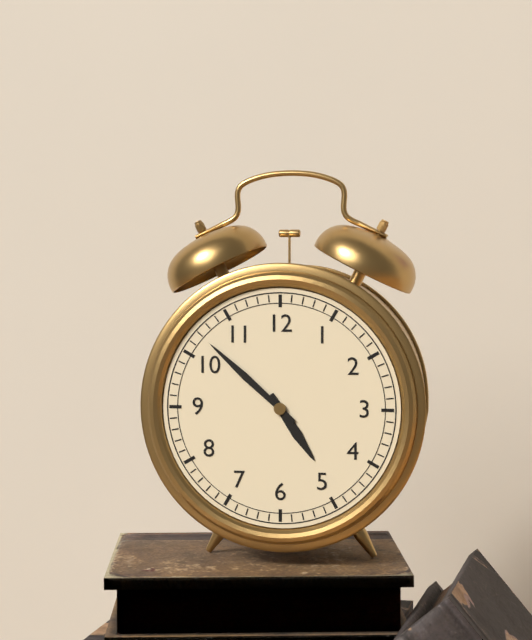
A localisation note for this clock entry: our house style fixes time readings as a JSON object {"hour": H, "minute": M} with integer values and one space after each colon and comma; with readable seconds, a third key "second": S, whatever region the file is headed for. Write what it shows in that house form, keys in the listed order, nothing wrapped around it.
{"hour": 4, "minute": 52}
